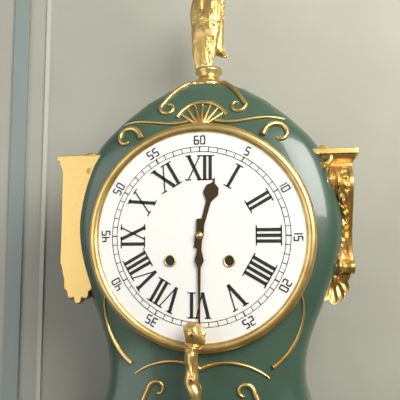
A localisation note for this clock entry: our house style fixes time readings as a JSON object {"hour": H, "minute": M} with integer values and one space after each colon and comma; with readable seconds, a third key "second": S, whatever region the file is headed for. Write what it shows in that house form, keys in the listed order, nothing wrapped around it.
{"hour": 12, "minute": 30}
